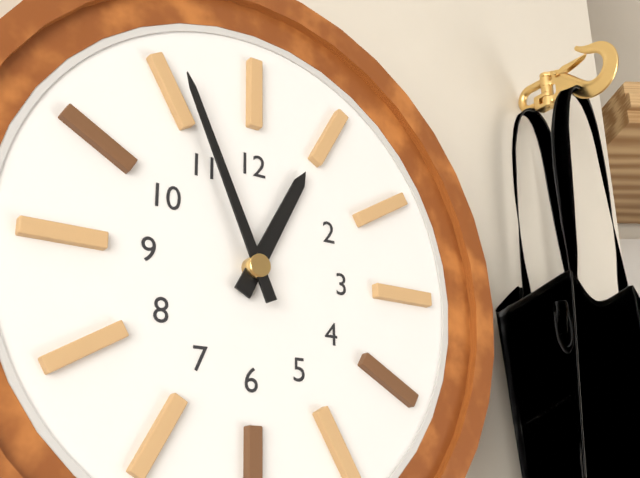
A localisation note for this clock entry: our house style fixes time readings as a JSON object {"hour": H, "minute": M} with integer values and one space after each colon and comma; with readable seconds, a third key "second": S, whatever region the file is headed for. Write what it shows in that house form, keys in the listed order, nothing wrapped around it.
{"hour": 12, "minute": 56}
